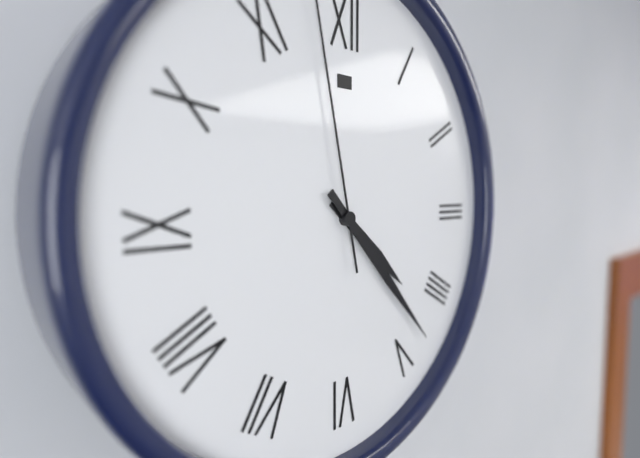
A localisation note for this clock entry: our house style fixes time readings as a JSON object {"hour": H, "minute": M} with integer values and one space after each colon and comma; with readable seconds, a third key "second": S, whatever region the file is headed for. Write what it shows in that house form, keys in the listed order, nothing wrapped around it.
{"hour": 4, "minute": 23}
